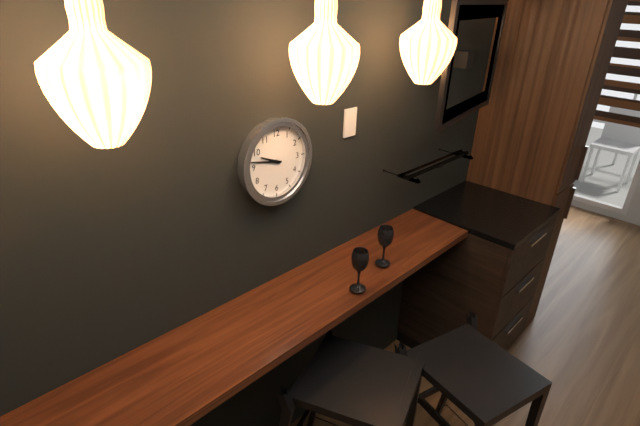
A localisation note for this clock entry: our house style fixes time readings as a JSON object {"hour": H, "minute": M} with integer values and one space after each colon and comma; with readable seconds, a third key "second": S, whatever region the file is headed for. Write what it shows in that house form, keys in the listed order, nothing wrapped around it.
{"hour": 9, "minute": 47}
